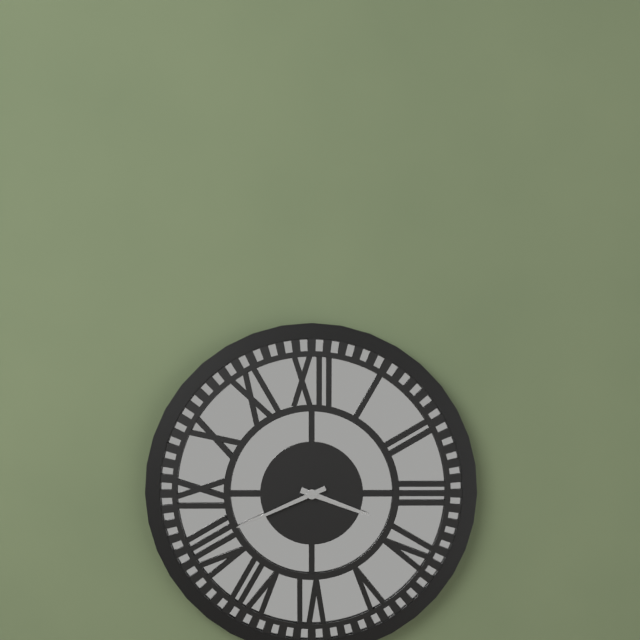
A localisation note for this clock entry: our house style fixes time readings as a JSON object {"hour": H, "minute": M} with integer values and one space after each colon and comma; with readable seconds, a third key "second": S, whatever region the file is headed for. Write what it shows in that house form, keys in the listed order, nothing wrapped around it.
{"hour": 3, "minute": 41}
